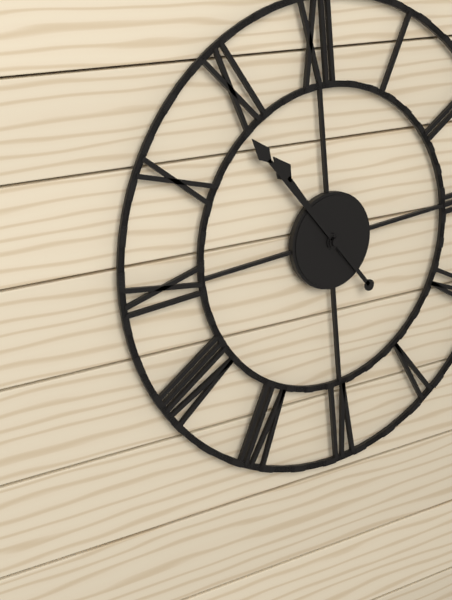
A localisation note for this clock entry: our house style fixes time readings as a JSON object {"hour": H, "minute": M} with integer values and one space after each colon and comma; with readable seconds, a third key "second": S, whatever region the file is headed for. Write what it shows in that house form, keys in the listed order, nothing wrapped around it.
{"hour": 10, "minute": 54}
